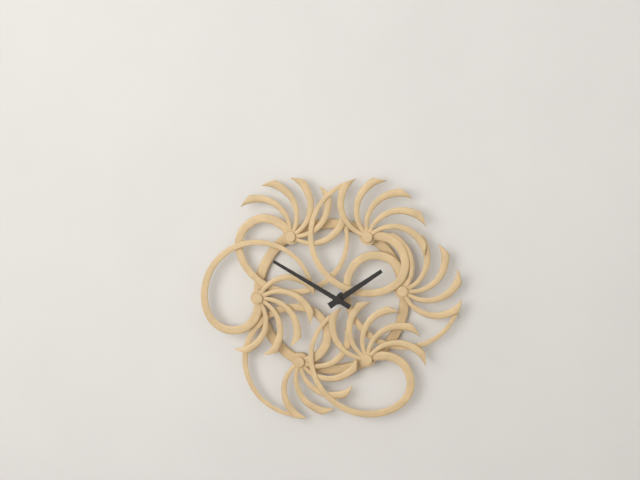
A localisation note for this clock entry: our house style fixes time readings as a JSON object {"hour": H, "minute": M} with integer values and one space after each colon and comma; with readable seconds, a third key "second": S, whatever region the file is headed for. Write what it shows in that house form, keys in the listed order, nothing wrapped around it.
{"hour": 1, "minute": 50}
